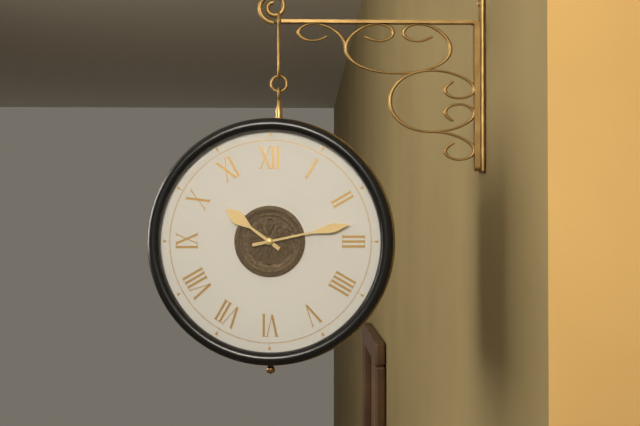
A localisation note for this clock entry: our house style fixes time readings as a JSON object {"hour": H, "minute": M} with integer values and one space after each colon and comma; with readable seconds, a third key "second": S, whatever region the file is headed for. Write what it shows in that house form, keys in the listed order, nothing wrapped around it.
{"hour": 10, "minute": 13}
